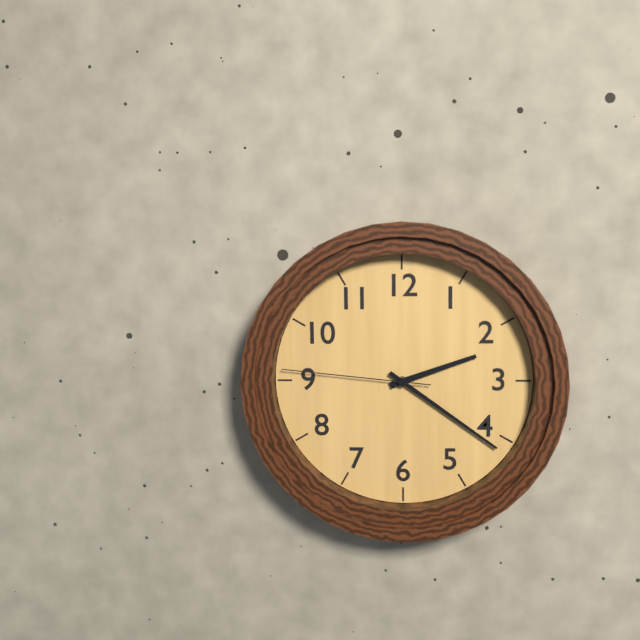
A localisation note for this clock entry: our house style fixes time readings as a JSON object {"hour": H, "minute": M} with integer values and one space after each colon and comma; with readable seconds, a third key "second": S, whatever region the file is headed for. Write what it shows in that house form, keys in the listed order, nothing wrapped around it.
{"hour": 2, "minute": 21, "second": 46}
